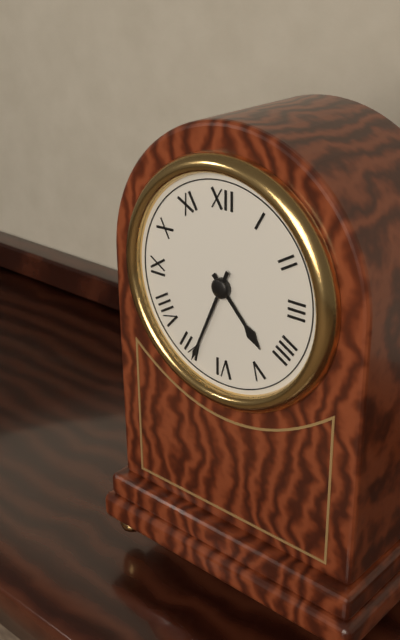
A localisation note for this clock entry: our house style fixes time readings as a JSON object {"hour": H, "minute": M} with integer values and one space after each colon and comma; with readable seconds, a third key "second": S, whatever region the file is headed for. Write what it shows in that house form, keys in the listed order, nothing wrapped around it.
{"hour": 4, "minute": 34}
